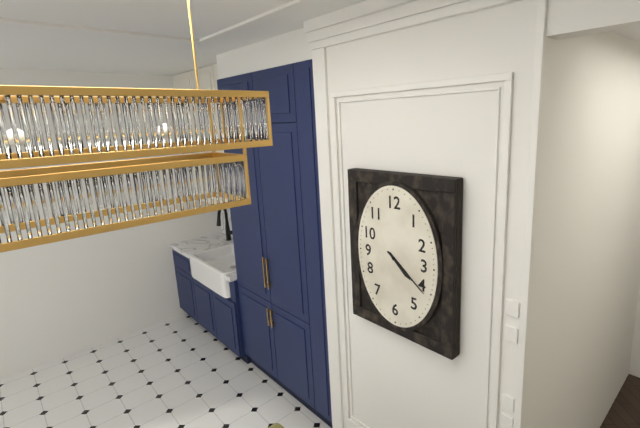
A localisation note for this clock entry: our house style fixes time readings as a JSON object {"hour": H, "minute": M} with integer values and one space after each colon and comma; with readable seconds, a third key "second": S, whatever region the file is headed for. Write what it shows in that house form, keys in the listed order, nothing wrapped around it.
{"hour": 4, "minute": 21}
